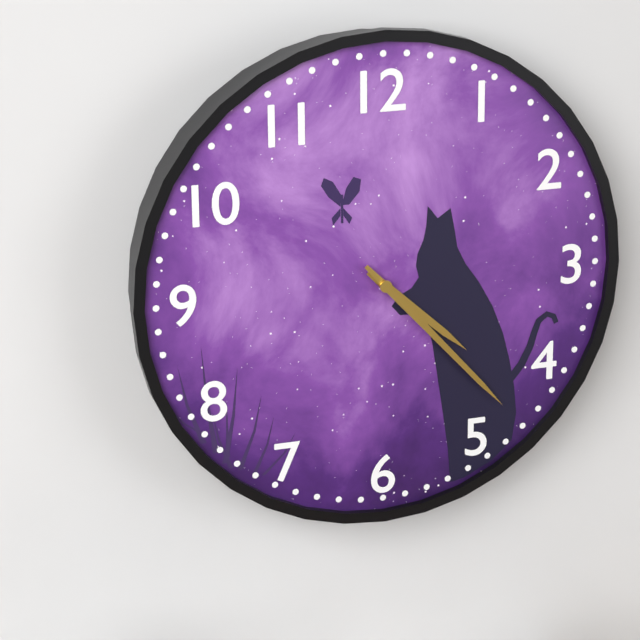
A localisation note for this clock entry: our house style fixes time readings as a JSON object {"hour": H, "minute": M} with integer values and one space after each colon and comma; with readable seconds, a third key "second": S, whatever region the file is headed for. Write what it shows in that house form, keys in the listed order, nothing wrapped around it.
{"hour": 4, "minute": 23}
